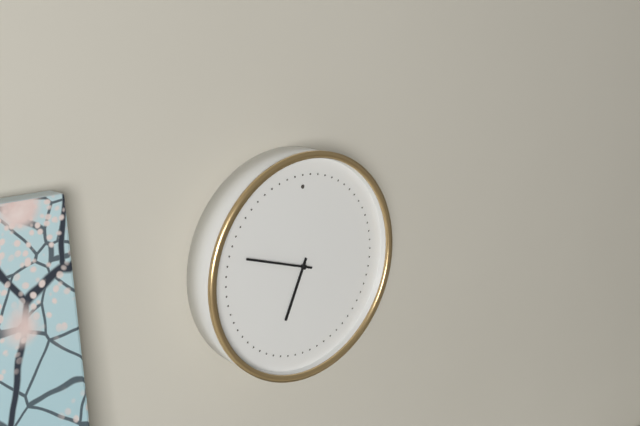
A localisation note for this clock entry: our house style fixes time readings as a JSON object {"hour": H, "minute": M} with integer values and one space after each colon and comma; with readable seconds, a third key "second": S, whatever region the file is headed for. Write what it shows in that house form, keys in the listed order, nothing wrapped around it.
{"hour": 6, "minute": 48}
